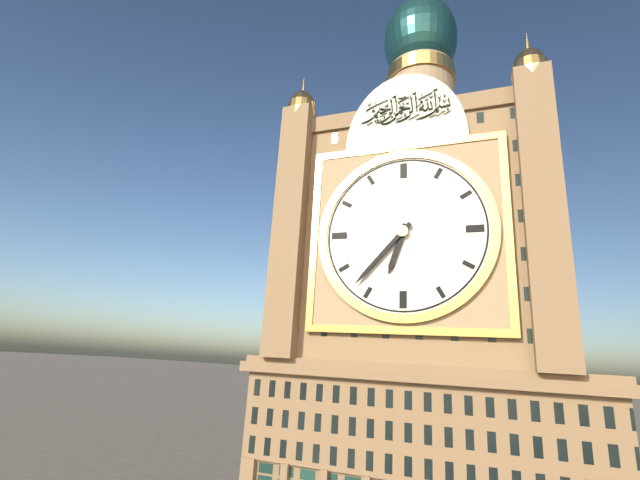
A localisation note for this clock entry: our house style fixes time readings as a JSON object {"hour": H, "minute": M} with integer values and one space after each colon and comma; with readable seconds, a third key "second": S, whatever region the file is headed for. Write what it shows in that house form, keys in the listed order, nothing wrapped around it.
{"hour": 6, "minute": 37}
